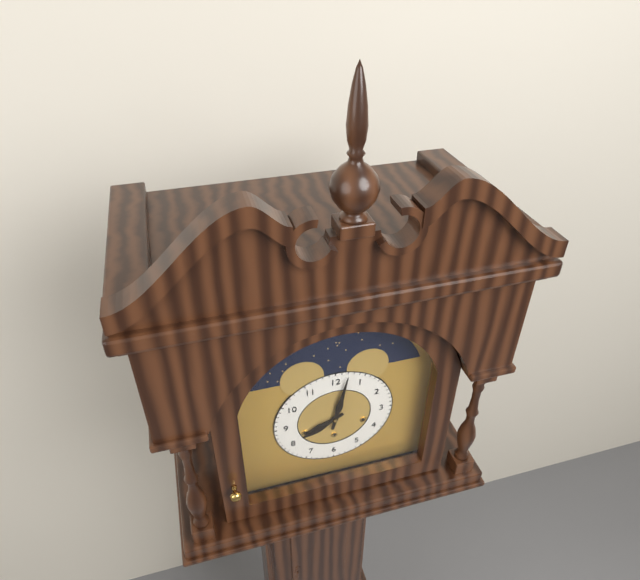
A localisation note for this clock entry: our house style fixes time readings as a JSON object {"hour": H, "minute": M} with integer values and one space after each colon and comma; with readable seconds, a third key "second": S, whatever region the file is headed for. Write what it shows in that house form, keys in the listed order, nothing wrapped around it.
{"hour": 8, "minute": 2}
